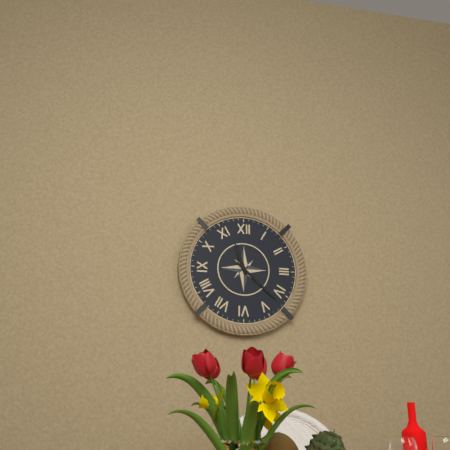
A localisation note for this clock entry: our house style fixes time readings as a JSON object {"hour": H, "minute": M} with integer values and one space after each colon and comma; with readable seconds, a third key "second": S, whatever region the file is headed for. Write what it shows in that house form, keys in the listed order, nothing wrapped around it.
{"hour": 11, "minute": 22}
